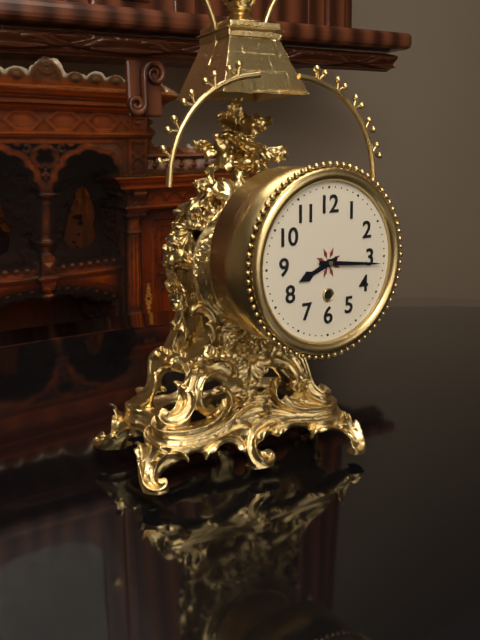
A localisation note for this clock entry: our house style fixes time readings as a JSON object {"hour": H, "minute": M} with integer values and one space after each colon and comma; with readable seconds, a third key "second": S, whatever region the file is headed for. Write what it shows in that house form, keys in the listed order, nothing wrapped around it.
{"hour": 8, "minute": 16}
